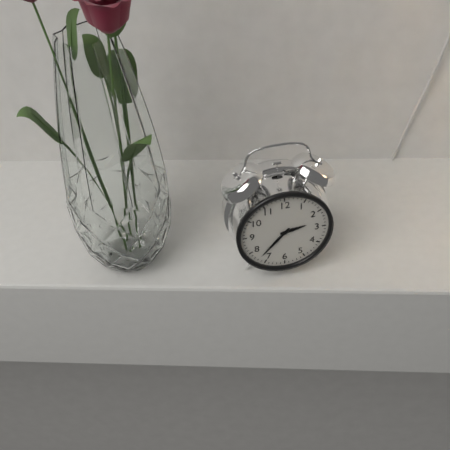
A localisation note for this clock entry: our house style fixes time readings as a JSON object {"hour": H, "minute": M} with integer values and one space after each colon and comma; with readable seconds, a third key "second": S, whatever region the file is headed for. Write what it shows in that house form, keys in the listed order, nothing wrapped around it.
{"hour": 2, "minute": 37}
